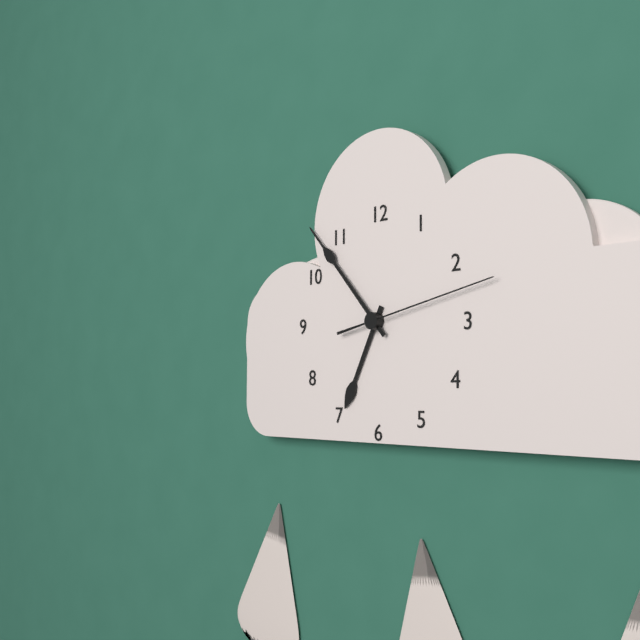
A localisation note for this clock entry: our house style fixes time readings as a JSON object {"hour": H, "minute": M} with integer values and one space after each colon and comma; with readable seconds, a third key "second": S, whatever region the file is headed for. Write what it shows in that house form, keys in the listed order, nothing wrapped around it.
{"hour": 6, "minute": 53, "second": 13}
